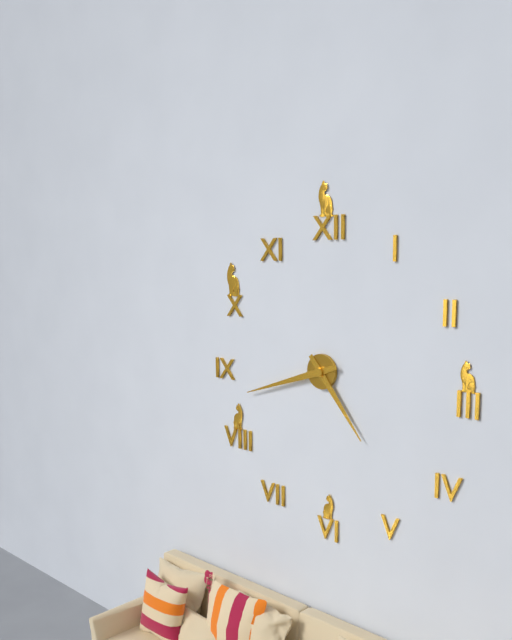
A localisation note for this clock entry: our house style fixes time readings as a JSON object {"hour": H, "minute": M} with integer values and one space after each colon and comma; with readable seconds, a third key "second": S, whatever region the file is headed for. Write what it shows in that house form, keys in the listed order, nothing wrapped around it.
{"hour": 4, "minute": 42}
